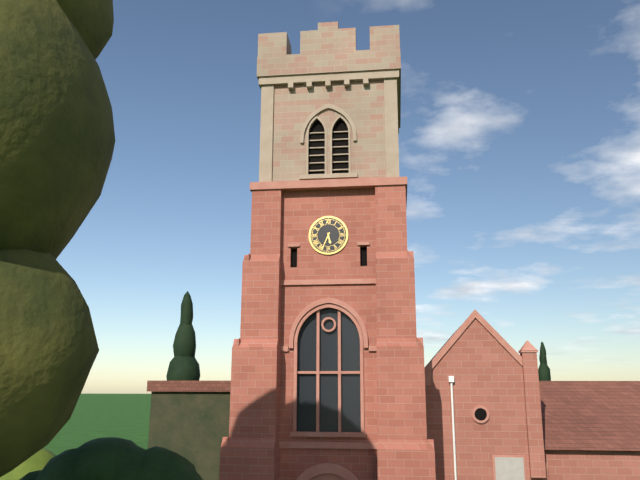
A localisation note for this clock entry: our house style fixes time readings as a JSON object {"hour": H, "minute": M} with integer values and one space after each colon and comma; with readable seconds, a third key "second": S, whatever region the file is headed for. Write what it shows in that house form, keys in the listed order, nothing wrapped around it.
{"hour": 5, "minute": 34}
